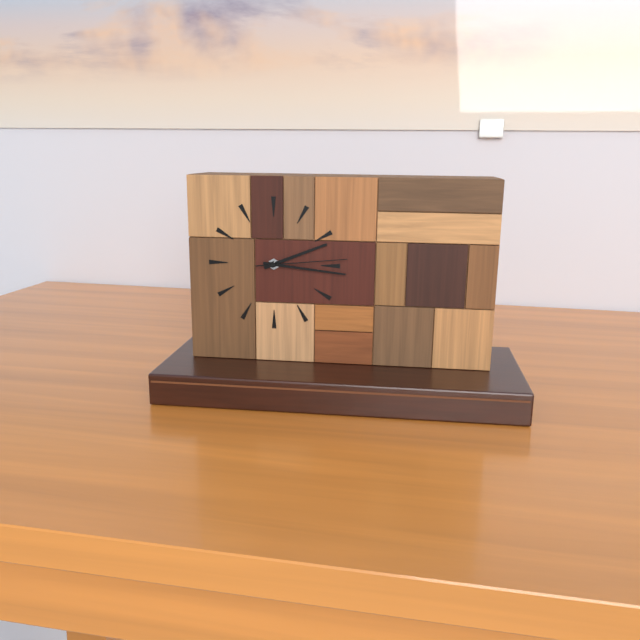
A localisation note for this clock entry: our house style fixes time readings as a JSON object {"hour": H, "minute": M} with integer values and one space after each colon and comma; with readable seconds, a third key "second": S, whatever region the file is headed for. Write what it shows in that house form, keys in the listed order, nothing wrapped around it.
{"hour": 2, "minute": 16, "second": 14}
